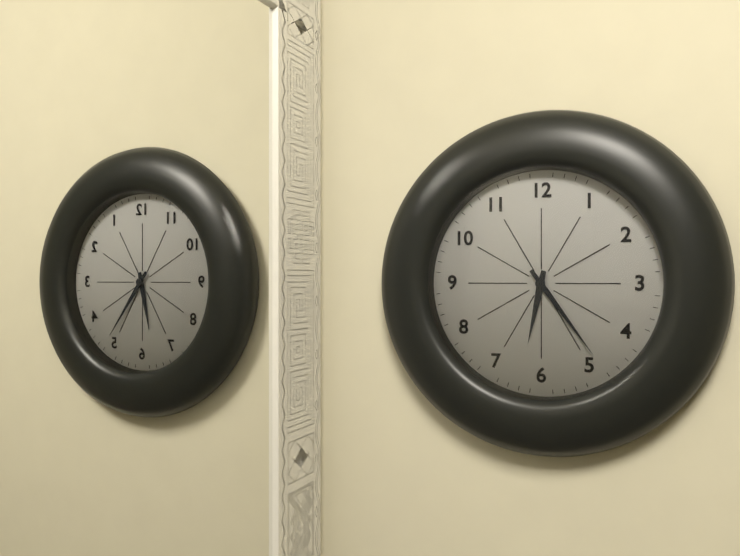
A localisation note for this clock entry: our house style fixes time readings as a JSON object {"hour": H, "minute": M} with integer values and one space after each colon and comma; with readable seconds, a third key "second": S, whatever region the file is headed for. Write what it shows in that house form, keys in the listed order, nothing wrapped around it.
{"hour": 6, "minute": 24}
